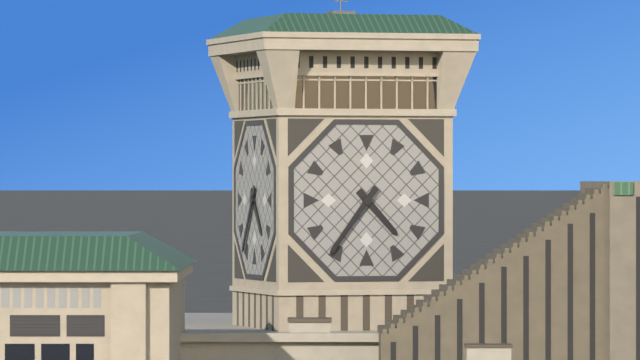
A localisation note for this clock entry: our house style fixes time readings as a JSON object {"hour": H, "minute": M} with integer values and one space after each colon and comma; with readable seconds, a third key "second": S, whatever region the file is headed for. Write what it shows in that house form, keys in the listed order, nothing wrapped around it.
{"hour": 4, "minute": 36}
